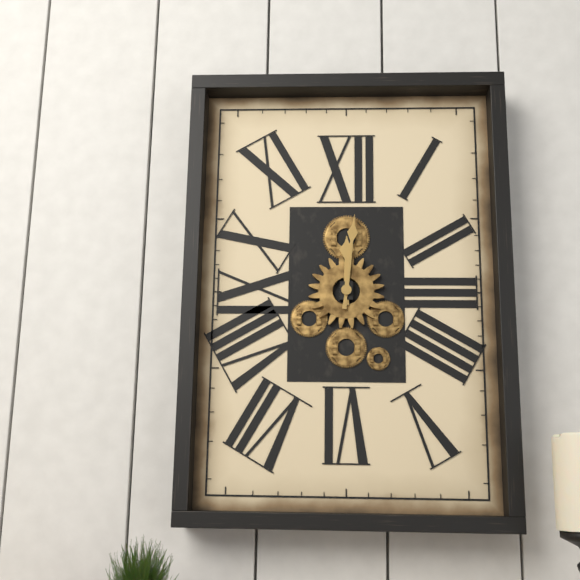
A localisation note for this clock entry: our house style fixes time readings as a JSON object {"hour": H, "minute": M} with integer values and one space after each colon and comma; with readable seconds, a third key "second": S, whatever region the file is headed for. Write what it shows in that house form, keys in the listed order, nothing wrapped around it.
{"hour": 12, "minute": 1}
